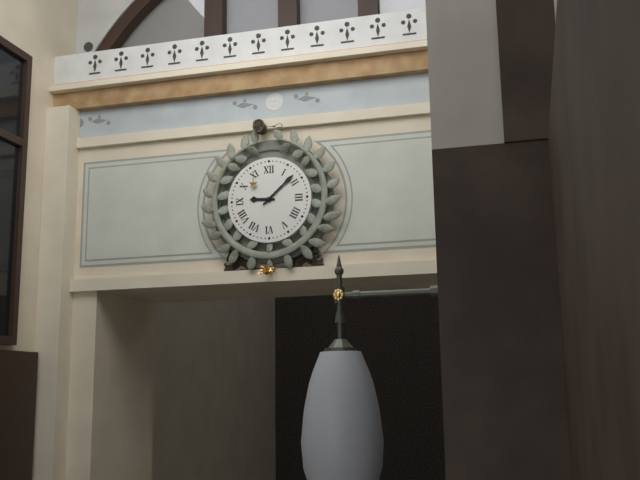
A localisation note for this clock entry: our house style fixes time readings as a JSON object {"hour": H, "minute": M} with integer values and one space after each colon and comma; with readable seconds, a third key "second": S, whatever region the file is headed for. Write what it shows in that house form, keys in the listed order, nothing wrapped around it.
{"hour": 9, "minute": 8}
